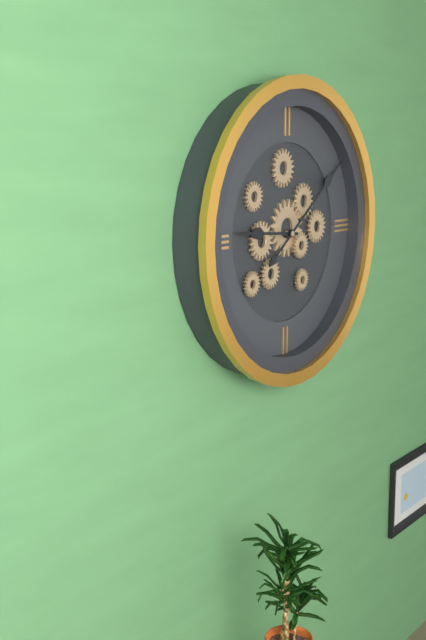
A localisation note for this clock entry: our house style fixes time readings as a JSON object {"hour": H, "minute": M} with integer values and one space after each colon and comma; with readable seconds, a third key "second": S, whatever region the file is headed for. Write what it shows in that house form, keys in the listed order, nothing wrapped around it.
{"hour": 9, "minute": 9}
